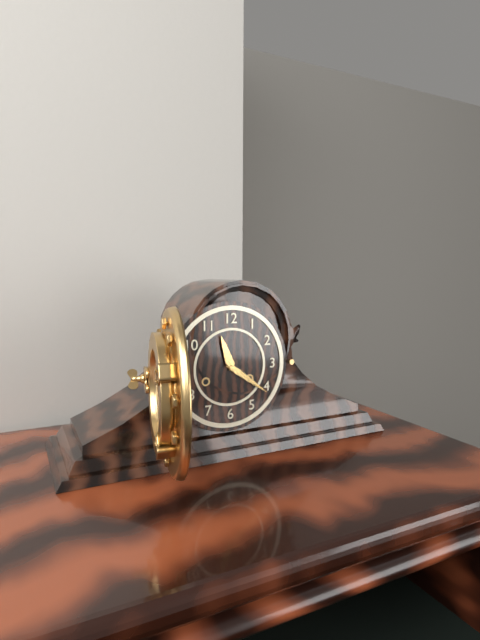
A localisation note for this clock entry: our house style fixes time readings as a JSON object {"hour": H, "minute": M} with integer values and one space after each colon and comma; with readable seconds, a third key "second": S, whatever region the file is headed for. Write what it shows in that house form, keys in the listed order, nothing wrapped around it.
{"hour": 11, "minute": 21}
